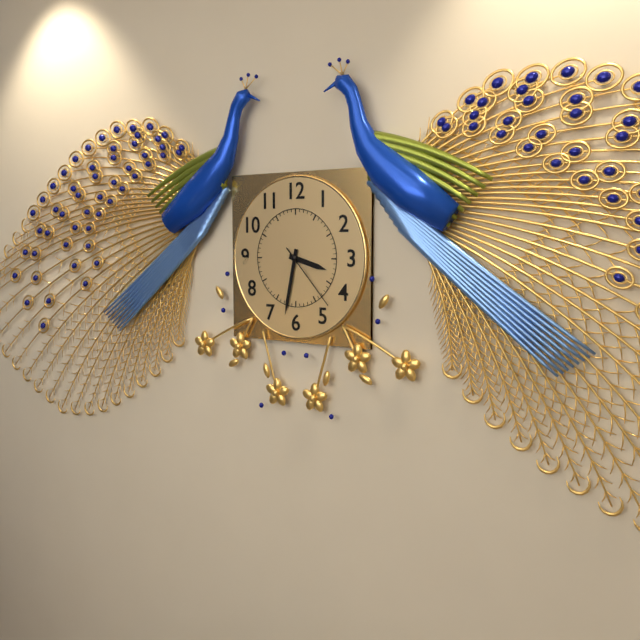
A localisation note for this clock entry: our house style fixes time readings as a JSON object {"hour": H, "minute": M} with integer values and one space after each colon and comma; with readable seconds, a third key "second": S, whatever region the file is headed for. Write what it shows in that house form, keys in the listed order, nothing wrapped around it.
{"hour": 3, "minute": 32, "second": 23}
